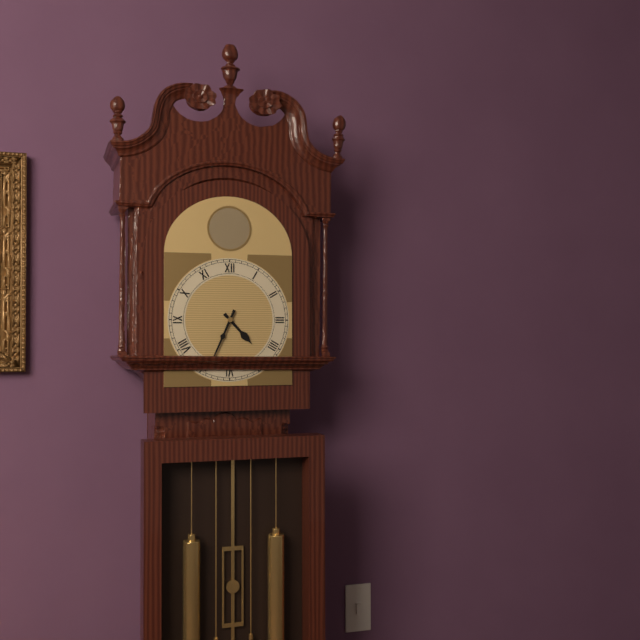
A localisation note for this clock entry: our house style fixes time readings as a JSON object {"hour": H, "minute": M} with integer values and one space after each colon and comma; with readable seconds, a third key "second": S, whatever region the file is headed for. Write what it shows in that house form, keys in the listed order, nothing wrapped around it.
{"hour": 4, "minute": 34}
